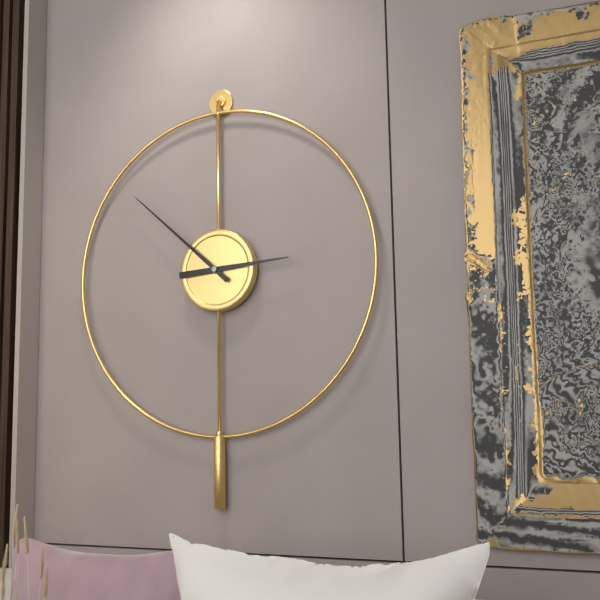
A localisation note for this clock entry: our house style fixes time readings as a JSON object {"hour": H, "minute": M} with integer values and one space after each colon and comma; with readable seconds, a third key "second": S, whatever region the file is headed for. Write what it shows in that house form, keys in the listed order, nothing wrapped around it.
{"hour": 2, "minute": 52}
